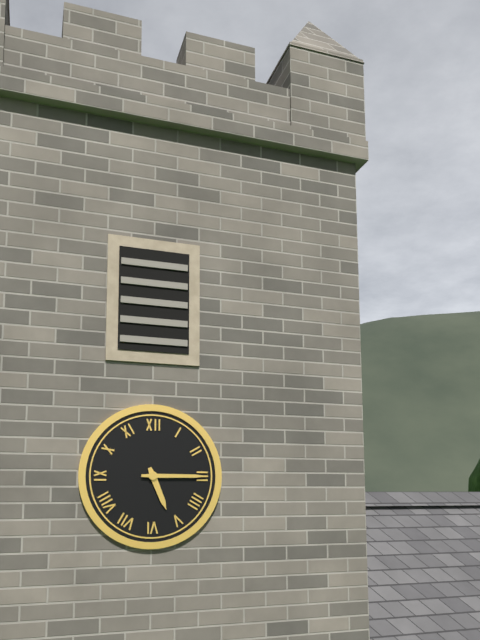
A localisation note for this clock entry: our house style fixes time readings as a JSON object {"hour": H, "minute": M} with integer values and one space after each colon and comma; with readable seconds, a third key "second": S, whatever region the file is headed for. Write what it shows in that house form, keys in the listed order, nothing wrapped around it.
{"hour": 5, "minute": 15}
